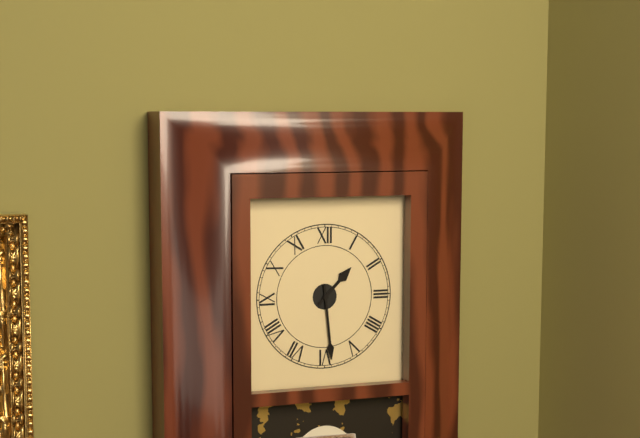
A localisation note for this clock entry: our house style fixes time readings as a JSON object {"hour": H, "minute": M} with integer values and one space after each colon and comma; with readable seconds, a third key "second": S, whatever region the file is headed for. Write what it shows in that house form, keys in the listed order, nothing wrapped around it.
{"hour": 1, "minute": 29}
